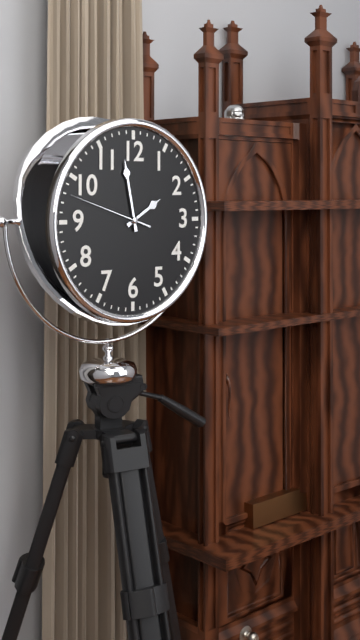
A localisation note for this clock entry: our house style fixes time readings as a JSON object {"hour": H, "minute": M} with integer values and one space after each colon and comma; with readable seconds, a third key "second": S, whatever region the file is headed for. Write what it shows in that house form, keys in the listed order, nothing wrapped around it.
{"hour": 1, "minute": 58, "second": 48}
